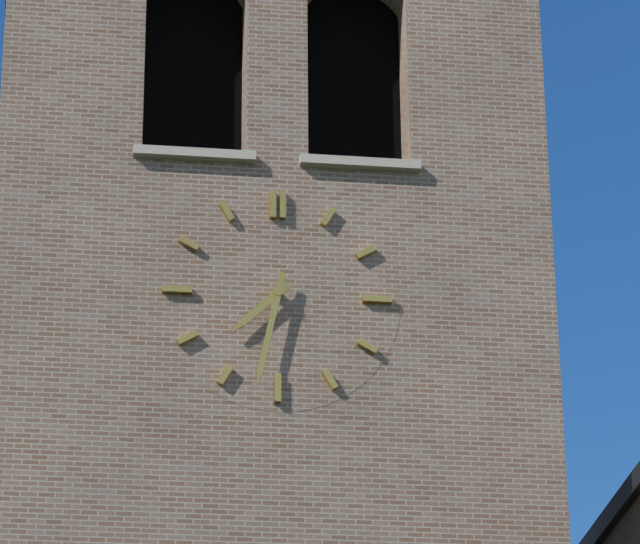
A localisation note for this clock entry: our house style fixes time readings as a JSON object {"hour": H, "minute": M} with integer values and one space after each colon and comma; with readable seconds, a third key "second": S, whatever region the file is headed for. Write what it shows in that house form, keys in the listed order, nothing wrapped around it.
{"hour": 7, "minute": 32}
